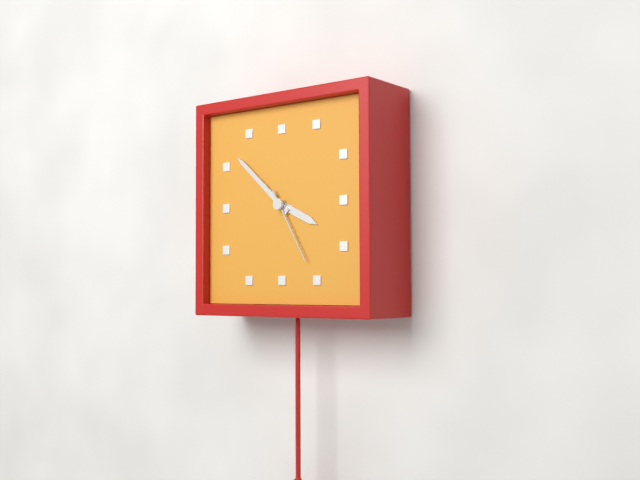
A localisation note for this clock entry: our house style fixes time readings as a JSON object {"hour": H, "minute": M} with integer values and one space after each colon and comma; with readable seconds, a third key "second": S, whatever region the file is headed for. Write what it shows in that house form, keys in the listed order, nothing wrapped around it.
{"hour": 3, "minute": 52, "second": 25}
